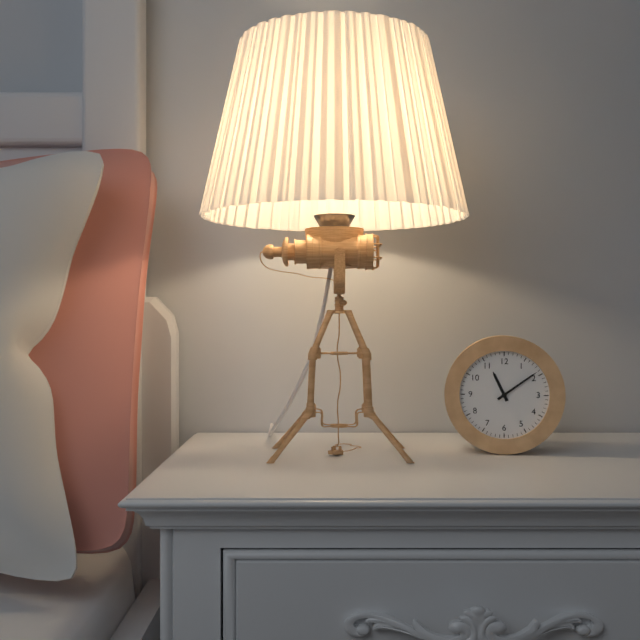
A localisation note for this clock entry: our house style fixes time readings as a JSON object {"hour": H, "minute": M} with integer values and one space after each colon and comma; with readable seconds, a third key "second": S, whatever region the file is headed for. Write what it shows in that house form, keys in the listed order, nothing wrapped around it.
{"hour": 11, "minute": 9}
